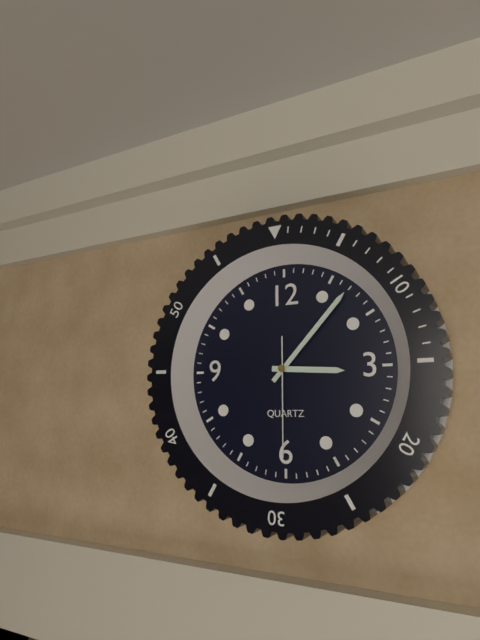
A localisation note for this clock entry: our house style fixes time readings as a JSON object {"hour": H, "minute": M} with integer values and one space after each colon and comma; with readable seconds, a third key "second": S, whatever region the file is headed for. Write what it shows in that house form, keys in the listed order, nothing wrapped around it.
{"hour": 3, "minute": 7, "second": 30}
